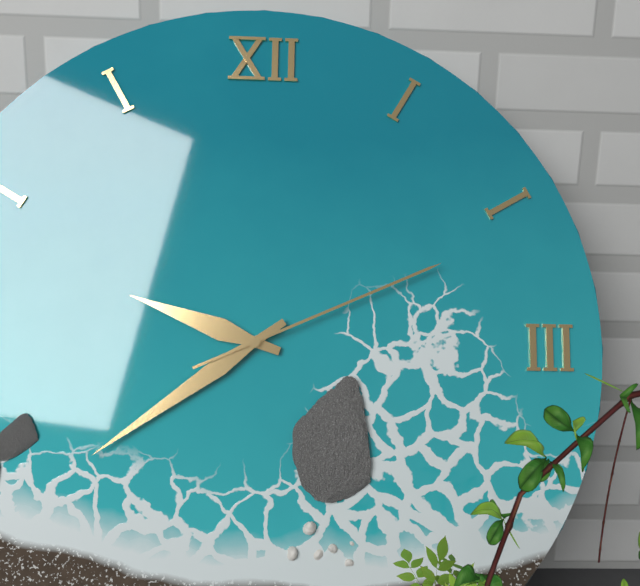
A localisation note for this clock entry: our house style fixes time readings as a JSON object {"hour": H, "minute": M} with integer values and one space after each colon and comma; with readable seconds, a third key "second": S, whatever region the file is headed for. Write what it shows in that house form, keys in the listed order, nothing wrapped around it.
{"hour": 9, "minute": 39, "second": 11}
